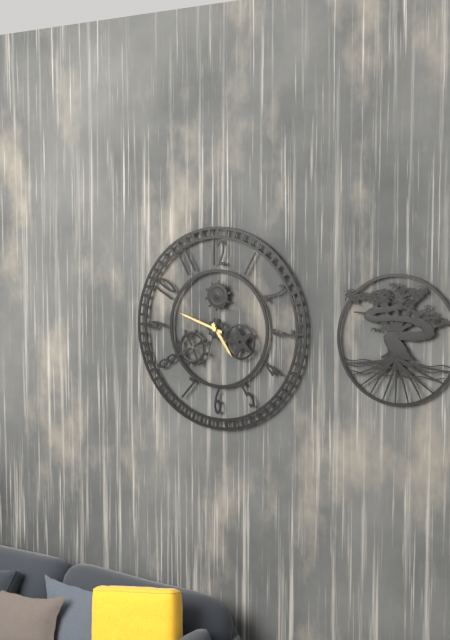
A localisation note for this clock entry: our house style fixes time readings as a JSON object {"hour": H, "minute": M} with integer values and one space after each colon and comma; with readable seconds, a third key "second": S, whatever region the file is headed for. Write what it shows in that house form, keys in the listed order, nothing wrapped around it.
{"hour": 4, "minute": 48, "second": 33}
